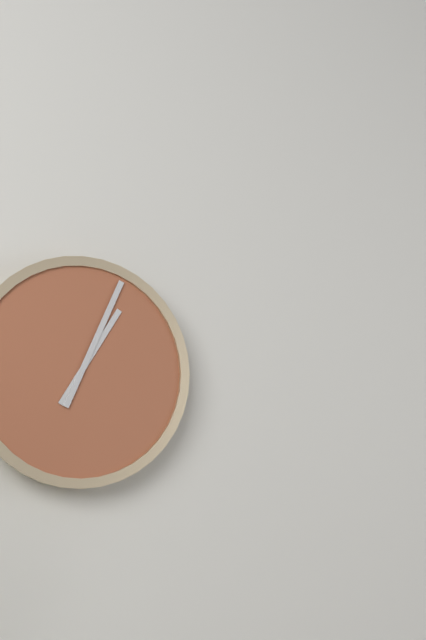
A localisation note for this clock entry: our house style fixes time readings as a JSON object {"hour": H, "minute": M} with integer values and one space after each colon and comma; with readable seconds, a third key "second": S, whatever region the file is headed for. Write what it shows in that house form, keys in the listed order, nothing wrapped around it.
{"hour": 1, "minute": 4}
